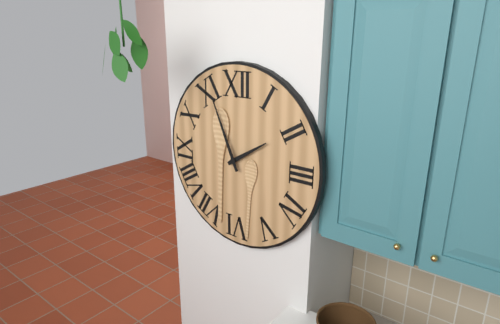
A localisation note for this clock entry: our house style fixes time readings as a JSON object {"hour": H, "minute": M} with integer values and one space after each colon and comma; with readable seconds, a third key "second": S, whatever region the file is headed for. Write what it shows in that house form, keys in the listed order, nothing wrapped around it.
{"hour": 1, "minute": 56}
